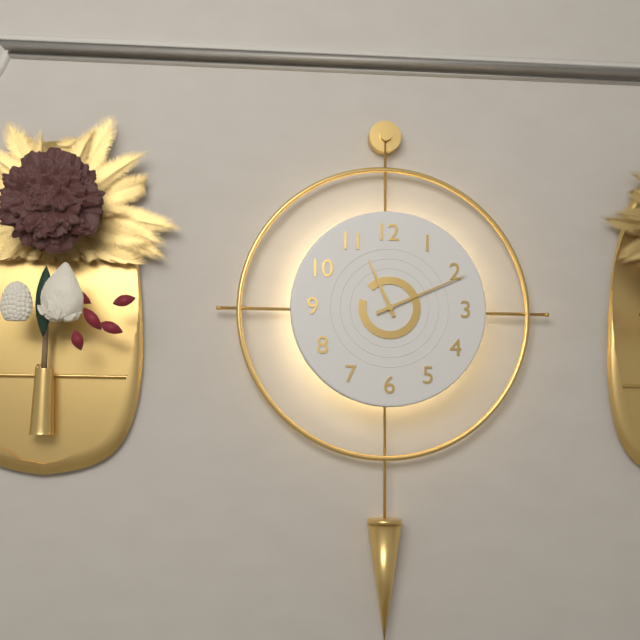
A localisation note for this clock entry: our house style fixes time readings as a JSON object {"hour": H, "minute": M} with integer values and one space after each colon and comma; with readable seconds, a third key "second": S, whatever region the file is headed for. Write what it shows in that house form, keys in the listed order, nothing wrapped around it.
{"hour": 11, "minute": 11}
